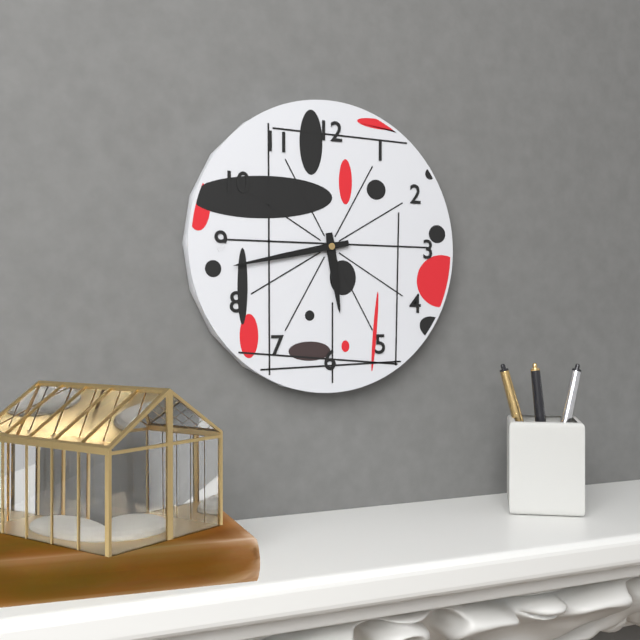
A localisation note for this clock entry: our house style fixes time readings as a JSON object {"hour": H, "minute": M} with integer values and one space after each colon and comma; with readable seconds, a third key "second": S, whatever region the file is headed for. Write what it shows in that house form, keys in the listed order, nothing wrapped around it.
{"hour": 5, "minute": 43}
